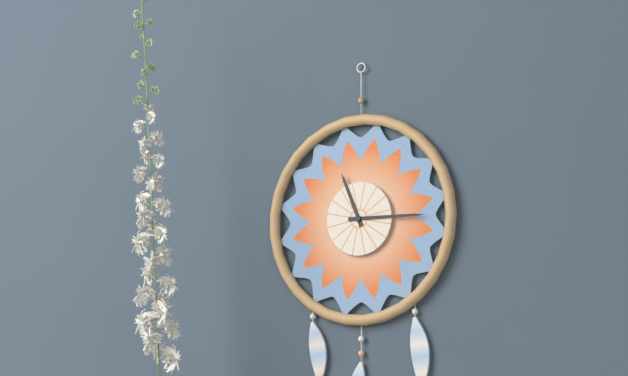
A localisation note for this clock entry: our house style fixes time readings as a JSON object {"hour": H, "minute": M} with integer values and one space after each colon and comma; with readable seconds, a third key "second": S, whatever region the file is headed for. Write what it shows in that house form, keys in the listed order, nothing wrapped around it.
{"hour": 11, "minute": 15}
